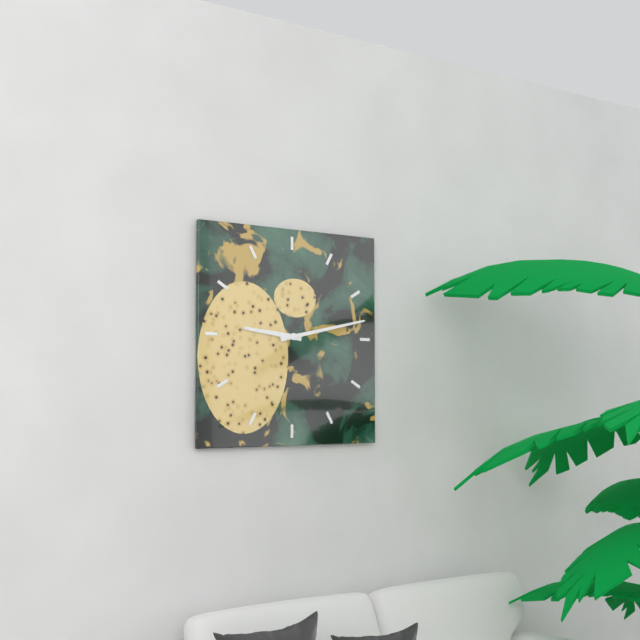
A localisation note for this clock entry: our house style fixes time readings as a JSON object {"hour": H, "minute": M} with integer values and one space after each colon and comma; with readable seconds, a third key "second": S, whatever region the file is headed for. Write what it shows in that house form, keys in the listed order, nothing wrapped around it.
{"hour": 9, "minute": 13}
